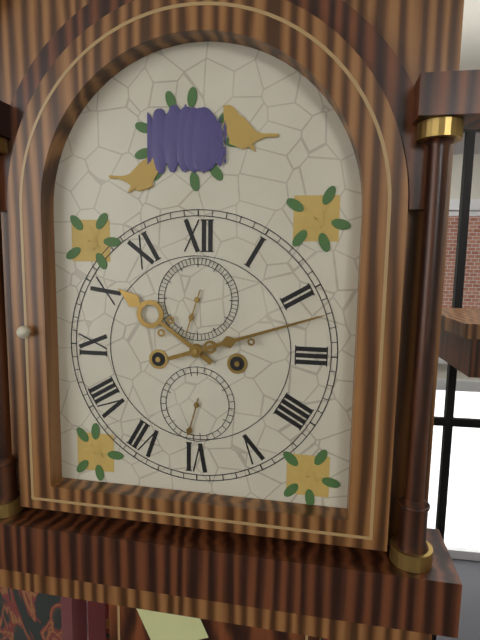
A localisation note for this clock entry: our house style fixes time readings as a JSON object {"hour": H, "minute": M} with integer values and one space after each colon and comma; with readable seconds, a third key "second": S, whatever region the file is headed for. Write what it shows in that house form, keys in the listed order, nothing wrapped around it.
{"hour": 10, "minute": 12}
